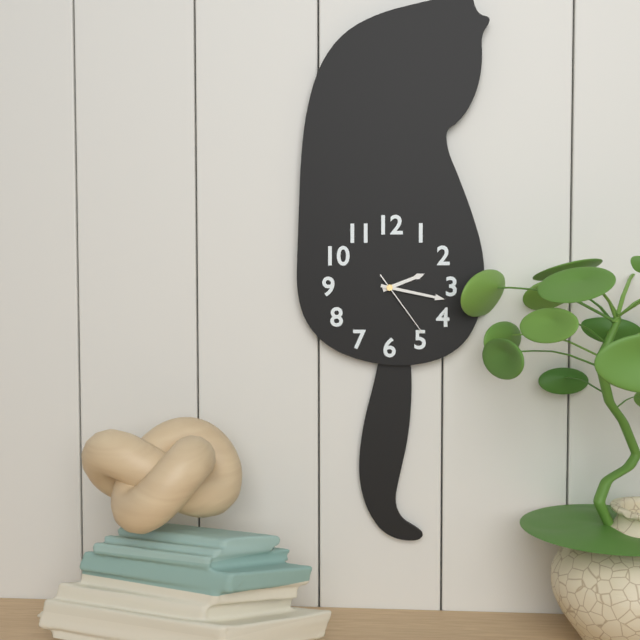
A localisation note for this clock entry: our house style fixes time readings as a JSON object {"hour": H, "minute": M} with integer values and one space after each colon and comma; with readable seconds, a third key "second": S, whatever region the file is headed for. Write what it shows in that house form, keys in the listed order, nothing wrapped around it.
{"hour": 2, "minute": 17, "second": 24}
